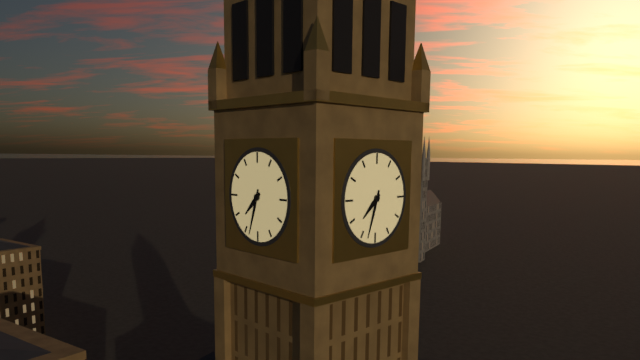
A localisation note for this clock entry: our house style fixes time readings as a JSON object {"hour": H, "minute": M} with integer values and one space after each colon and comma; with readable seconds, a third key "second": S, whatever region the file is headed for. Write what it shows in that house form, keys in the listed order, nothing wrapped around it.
{"hour": 7, "minute": 33}
